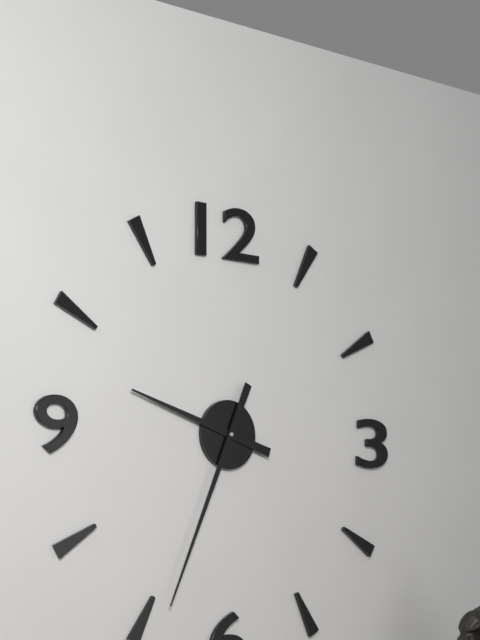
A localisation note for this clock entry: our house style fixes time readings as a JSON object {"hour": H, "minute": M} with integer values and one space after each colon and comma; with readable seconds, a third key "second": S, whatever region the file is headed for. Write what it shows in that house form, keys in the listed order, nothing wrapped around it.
{"hour": 9, "minute": 34}
